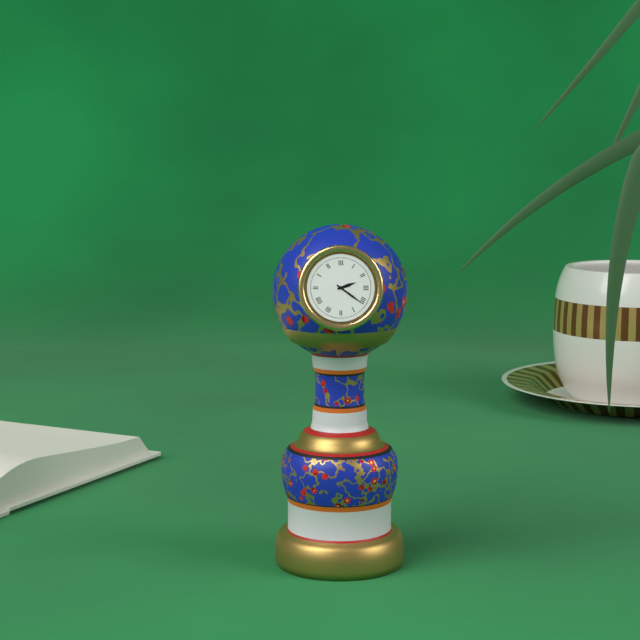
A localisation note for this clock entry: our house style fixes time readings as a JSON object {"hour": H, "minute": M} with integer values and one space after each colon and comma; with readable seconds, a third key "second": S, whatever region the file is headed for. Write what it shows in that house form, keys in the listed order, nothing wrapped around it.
{"hour": 2, "minute": 21}
